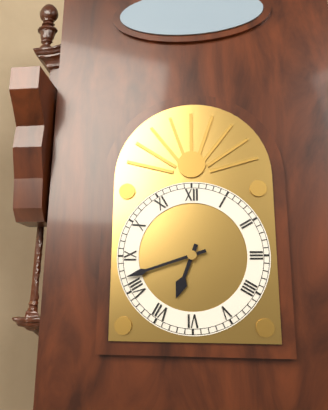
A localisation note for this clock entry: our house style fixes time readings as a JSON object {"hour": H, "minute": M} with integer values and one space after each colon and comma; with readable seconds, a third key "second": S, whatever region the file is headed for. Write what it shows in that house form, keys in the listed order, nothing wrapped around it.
{"hour": 6, "minute": 42}
